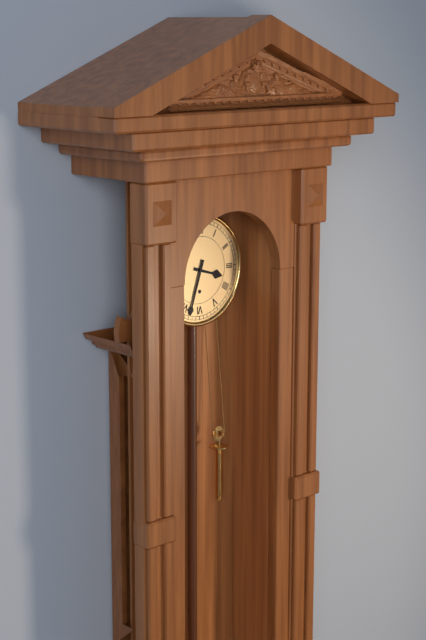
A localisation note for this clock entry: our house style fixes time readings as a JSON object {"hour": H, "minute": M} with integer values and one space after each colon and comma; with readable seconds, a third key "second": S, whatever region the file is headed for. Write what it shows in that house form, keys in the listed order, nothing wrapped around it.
{"hour": 3, "minute": 33}
